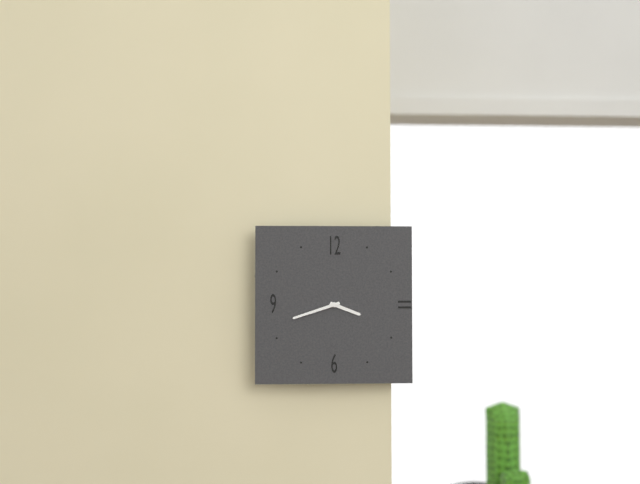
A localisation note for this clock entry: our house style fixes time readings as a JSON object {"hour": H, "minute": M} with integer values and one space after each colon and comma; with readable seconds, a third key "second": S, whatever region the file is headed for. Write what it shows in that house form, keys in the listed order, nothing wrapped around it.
{"hour": 3, "minute": 42}
